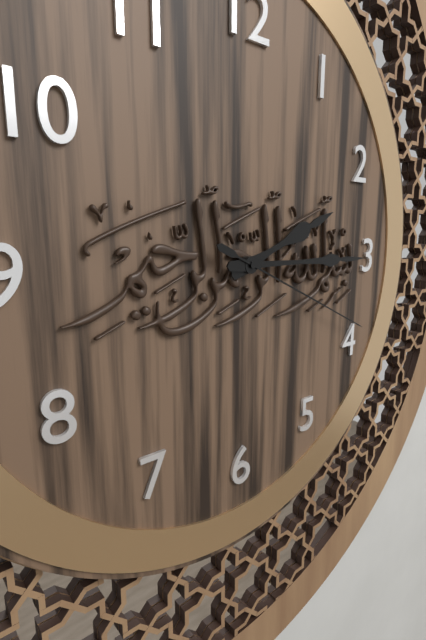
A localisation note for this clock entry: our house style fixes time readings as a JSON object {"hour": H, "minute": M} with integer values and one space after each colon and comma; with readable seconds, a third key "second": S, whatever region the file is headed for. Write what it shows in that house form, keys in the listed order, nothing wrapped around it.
{"hour": 2, "minute": 15, "second": 19}
